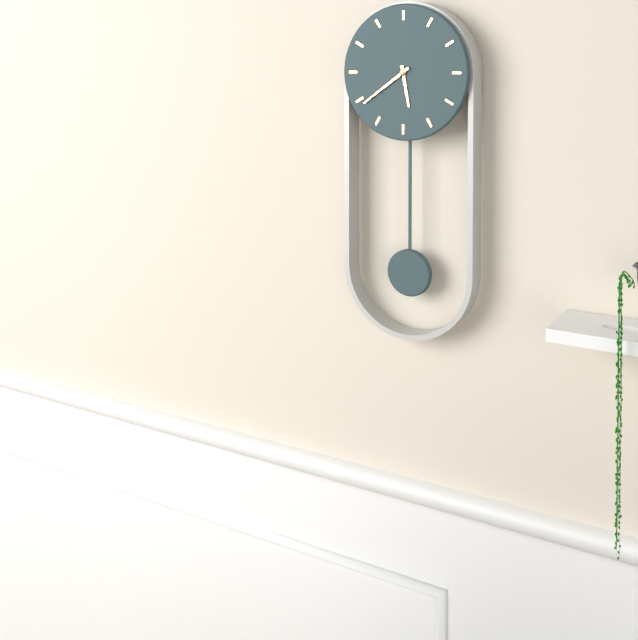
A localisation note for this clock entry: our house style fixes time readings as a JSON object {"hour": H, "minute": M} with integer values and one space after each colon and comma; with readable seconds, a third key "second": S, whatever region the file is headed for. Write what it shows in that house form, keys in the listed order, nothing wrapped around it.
{"hour": 5, "minute": 39}
